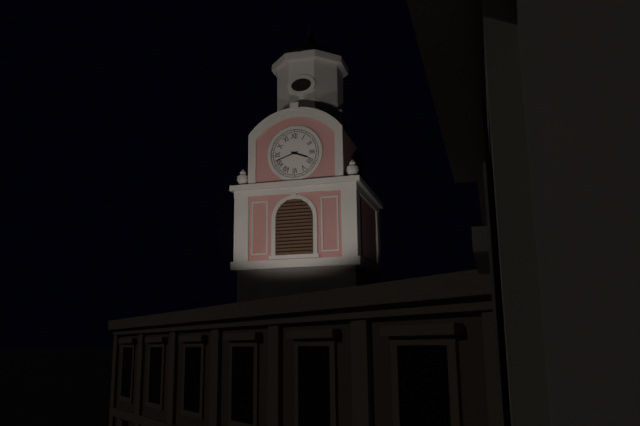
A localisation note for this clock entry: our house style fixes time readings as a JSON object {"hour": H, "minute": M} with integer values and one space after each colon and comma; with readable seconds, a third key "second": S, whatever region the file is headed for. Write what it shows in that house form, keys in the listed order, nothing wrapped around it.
{"hour": 3, "minute": 42}
